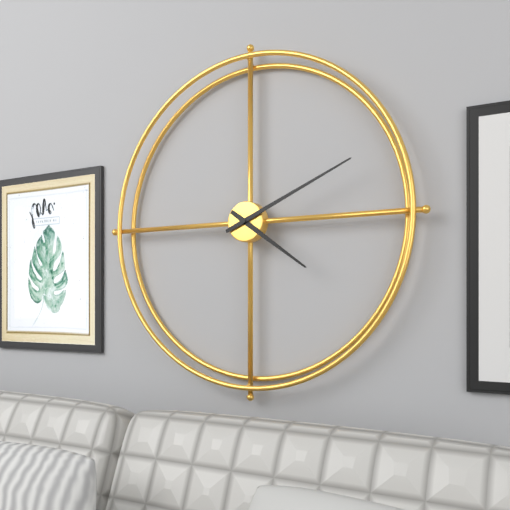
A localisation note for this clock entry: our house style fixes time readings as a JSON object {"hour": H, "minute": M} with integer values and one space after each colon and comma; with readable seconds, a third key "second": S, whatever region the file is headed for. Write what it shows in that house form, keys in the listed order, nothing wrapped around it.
{"hour": 4, "minute": 11}
